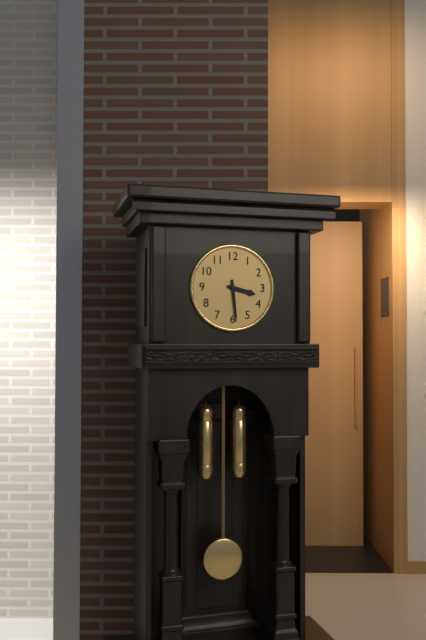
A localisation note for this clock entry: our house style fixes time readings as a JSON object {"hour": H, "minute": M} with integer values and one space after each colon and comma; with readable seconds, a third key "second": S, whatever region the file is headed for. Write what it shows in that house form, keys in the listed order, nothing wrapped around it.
{"hour": 3, "minute": 29}
